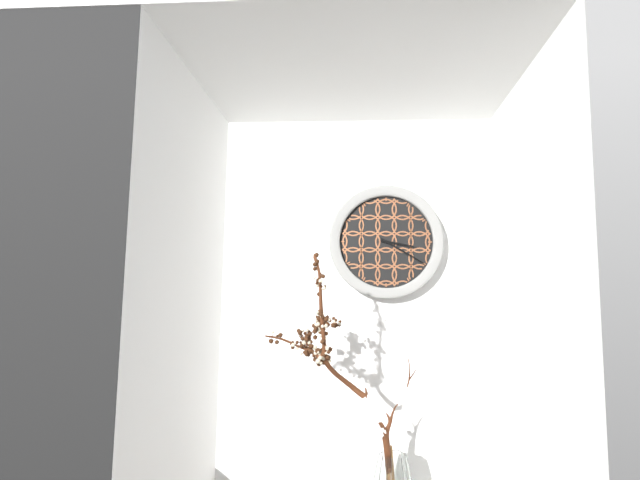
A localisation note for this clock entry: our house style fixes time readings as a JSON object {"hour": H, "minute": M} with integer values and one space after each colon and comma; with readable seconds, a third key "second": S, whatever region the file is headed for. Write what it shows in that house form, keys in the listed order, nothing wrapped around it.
{"hour": 3, "minute": 20}
